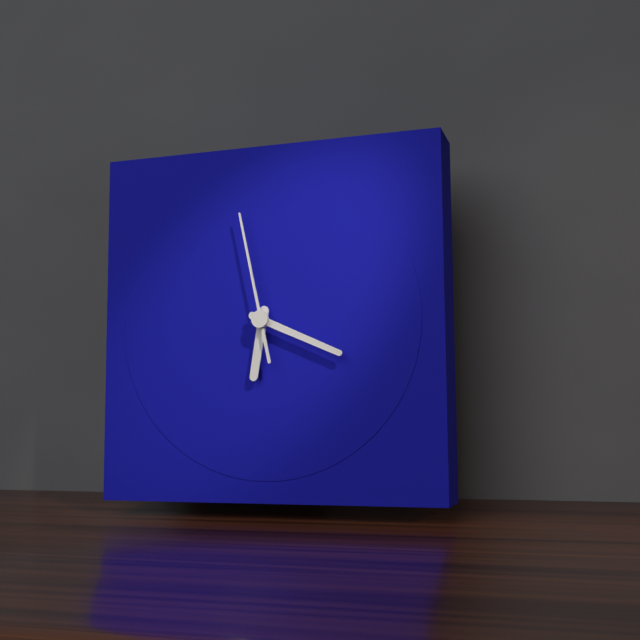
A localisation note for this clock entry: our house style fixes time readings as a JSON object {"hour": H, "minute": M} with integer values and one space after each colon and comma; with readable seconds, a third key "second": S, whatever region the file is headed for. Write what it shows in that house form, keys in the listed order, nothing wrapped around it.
{"hour": 6, "minute": 19, "second": 58}
